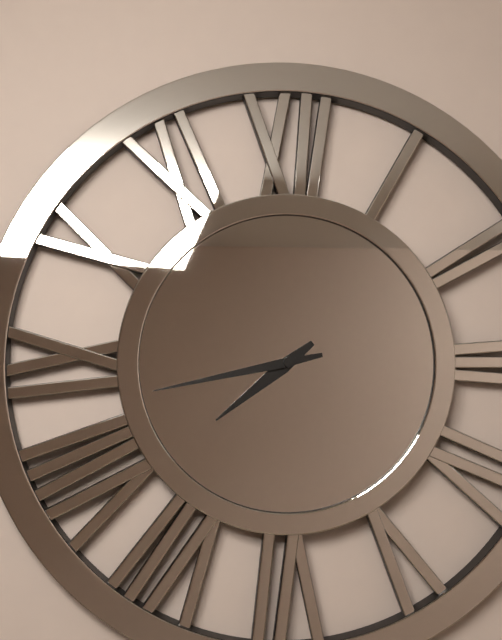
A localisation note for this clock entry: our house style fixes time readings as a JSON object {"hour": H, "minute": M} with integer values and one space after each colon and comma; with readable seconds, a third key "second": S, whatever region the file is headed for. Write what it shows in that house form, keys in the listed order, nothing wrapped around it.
{"hour": 7, "minute": 43}
